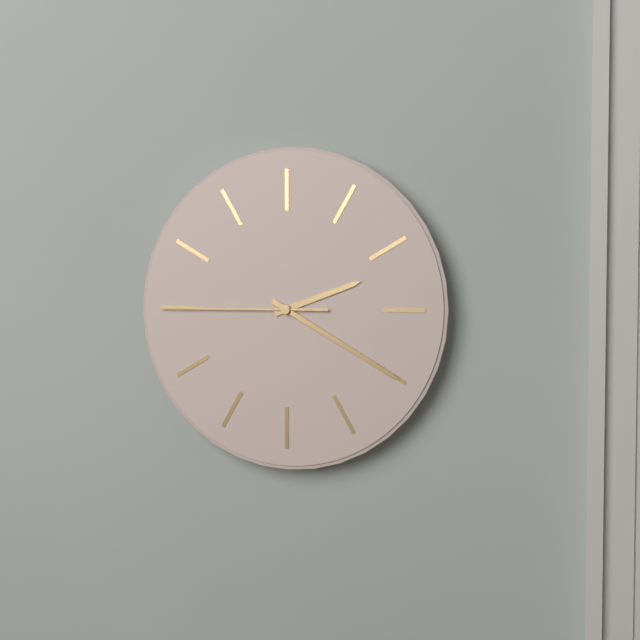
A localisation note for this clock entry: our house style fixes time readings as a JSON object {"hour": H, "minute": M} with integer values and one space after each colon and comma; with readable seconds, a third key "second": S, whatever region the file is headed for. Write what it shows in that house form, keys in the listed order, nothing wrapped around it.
{"hour": 2, "minute": 20, "second": 45}
